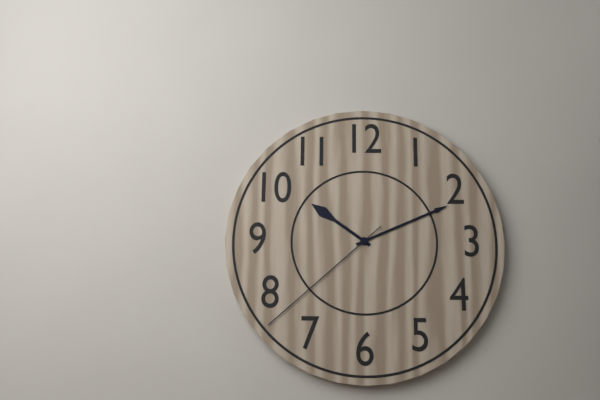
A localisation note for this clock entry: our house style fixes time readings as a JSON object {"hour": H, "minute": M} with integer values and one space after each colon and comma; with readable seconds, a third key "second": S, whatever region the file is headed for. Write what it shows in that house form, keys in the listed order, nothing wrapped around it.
{"hour": 10, "minute": 11, "second": 38}
